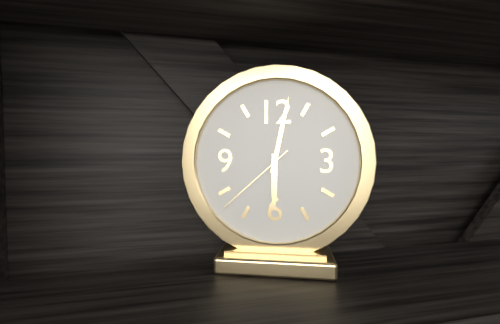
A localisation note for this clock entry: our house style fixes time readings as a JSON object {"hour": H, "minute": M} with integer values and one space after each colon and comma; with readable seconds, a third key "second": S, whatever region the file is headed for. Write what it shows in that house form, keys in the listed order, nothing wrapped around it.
{"hour": 6, "minute": 2, "second": 38}
